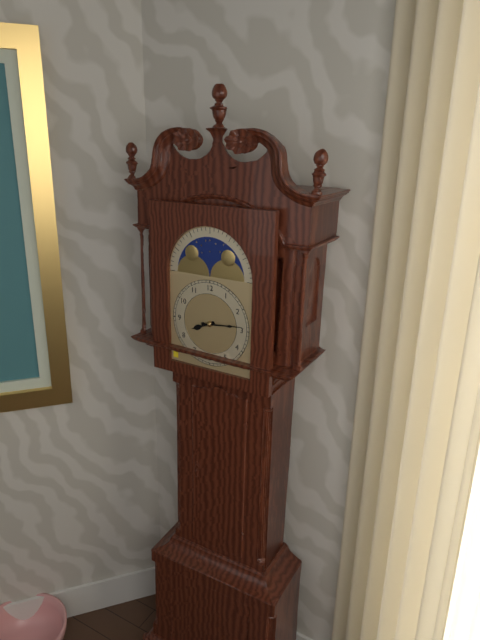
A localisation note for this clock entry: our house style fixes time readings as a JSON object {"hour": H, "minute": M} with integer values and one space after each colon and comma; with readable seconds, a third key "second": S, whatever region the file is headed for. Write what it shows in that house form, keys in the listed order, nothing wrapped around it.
{"hour": 8, "minute": 14}
